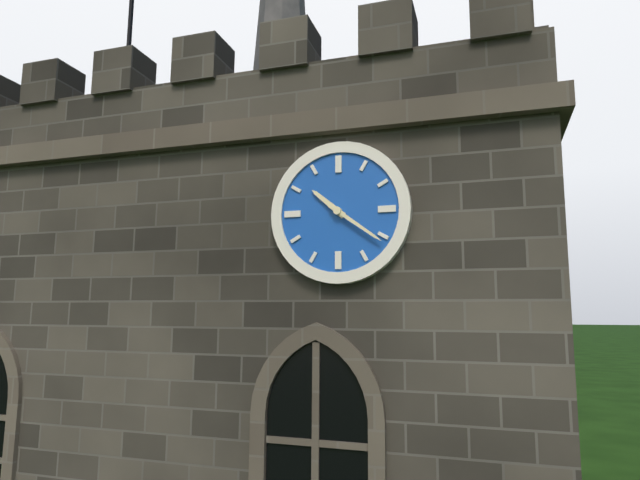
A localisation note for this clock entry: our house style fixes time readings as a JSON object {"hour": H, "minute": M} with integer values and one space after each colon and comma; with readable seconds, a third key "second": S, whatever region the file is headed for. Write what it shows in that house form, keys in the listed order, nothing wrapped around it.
{"hour": 10, "minute": 21}
